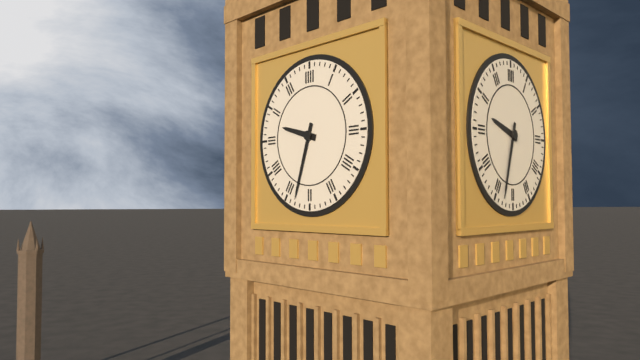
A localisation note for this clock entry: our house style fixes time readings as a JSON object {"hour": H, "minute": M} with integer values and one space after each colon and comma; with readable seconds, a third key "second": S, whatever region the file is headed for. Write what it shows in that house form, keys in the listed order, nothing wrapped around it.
{"hour": 9, "minute": 33}
